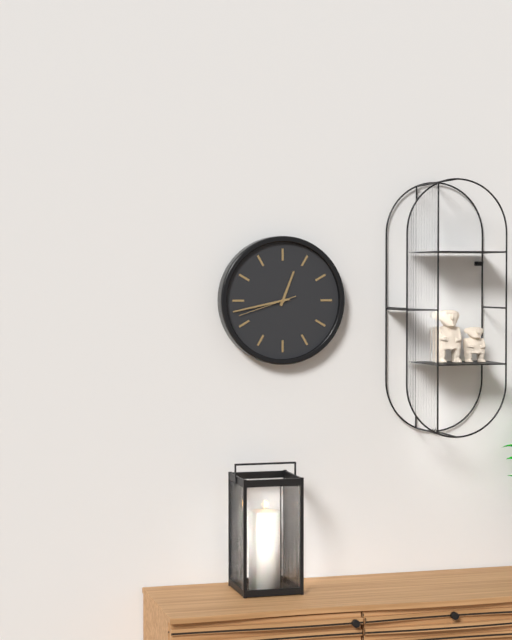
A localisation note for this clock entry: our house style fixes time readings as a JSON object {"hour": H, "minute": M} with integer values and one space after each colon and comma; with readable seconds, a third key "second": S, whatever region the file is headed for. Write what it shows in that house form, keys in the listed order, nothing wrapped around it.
{"hour": 12, "minute": 43, "second": 42}
